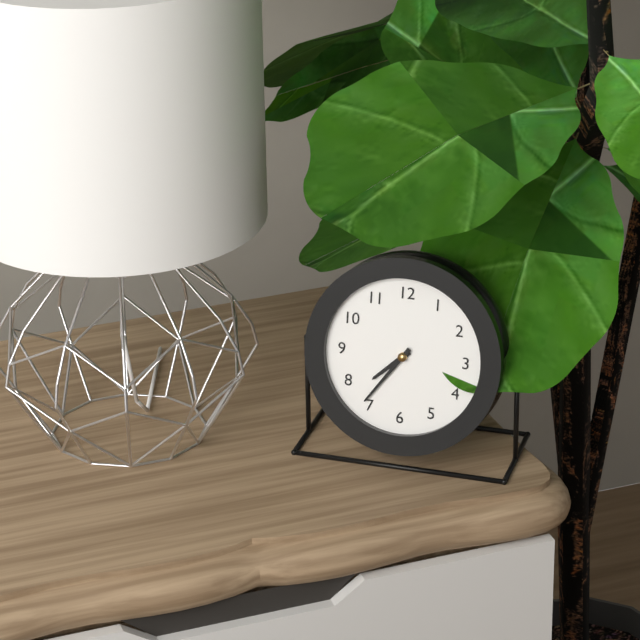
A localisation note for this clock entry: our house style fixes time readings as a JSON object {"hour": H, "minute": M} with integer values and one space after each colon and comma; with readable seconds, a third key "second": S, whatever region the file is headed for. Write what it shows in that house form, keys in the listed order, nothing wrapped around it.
{"hour": 7, "minute": 36}
